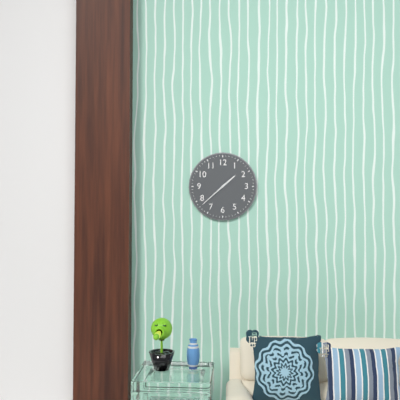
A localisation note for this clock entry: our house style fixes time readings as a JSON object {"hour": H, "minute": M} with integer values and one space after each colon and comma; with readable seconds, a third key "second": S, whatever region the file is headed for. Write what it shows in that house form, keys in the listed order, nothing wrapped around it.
{"hour": 1, "minute": 38}
